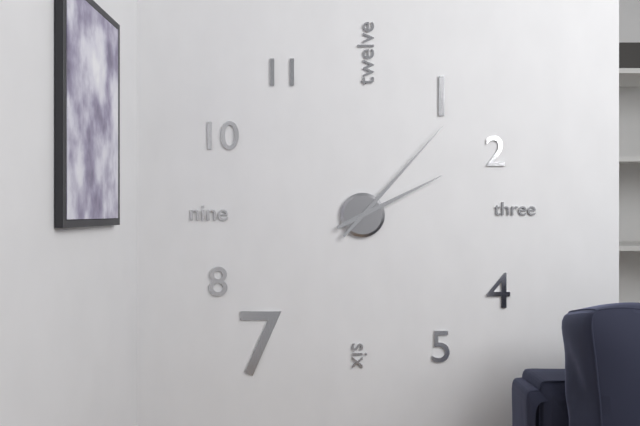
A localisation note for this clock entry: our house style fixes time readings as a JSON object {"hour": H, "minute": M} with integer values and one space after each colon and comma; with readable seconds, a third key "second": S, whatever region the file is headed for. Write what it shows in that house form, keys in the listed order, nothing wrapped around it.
{"hour": 2, "minute": 7}
